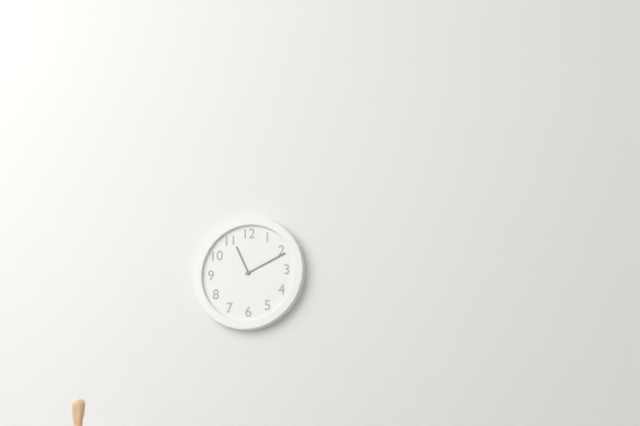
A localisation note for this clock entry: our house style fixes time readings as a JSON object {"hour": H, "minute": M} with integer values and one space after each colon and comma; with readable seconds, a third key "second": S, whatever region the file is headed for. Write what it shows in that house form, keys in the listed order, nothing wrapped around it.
{"hour": 11, "minute": 11}
